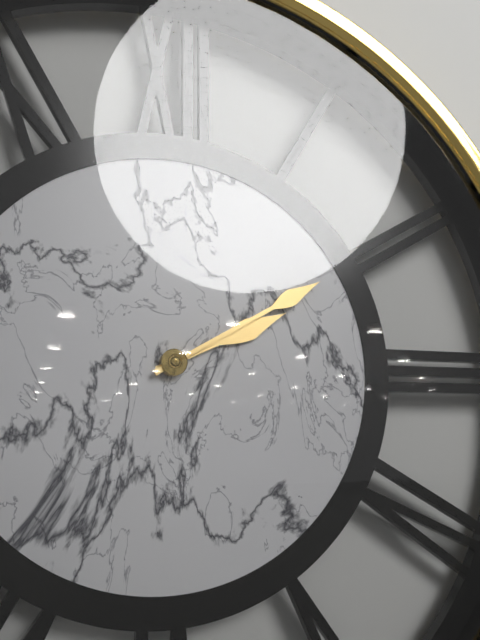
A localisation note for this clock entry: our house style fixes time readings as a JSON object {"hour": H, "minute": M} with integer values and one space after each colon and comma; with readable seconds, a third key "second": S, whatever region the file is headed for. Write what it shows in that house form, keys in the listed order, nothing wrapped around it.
{"hour": 2, "minute": 10}
